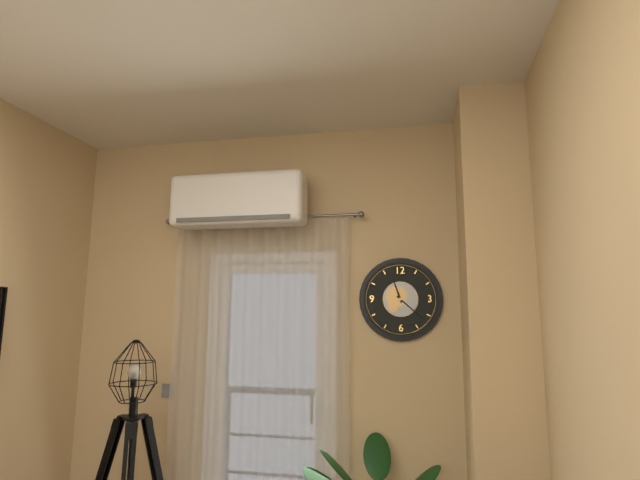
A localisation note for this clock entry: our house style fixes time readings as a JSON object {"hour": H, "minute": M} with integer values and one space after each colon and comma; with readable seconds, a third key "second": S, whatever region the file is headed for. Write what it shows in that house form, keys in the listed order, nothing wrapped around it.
{"hour": 11, "minute": 22}
